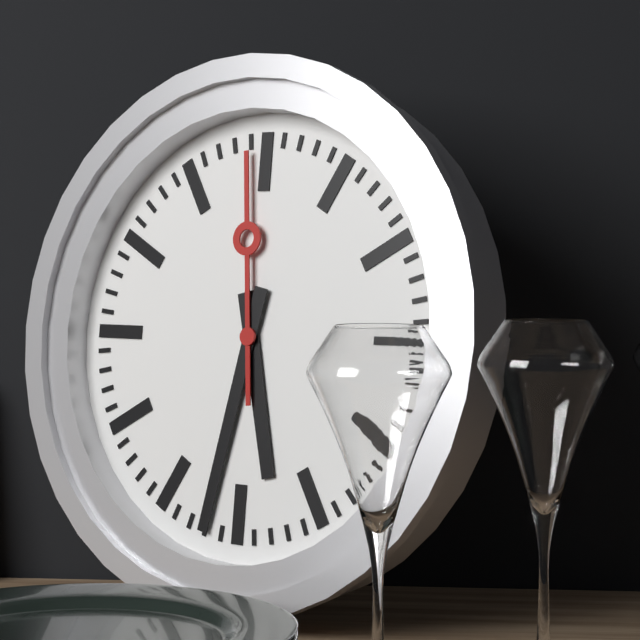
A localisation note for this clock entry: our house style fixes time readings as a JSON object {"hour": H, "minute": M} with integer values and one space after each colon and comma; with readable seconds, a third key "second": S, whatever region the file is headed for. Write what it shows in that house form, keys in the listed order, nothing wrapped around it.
{"hour": 5, "minute": 32, "second": 59}
